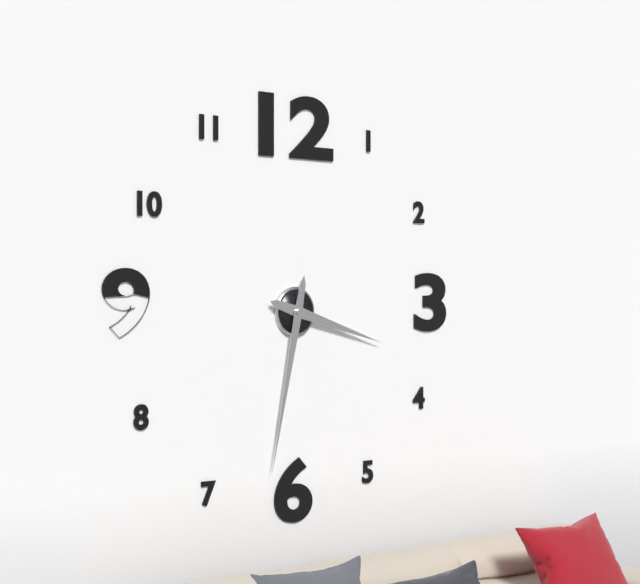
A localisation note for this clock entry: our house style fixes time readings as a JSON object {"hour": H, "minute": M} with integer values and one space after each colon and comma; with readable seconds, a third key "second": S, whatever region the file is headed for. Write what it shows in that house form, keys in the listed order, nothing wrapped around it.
{"hour": 3, "minute": 32}
